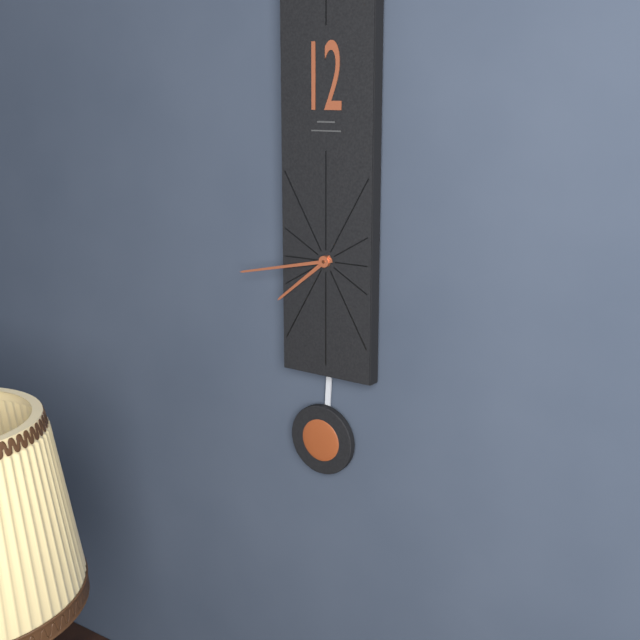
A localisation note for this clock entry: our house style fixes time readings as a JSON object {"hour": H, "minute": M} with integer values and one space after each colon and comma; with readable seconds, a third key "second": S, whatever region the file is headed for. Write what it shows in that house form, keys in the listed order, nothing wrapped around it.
{"hour": 7, "minute": 43}
